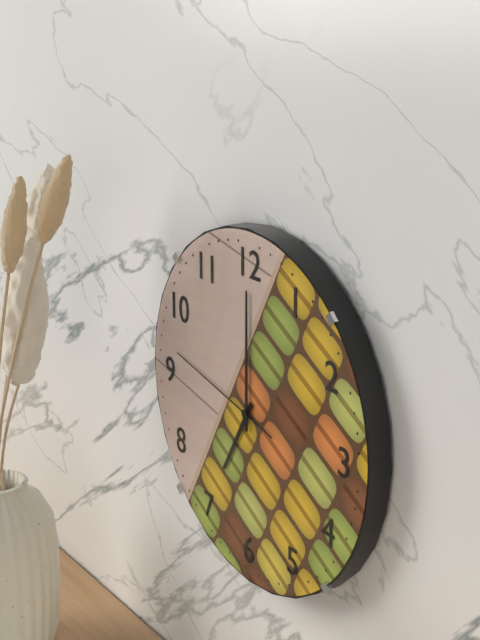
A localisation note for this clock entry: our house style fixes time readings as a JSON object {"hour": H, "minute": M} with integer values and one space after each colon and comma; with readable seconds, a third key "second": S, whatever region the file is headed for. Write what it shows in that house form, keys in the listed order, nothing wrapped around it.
{"hour": 7, "minute": 0, "second": 47}
